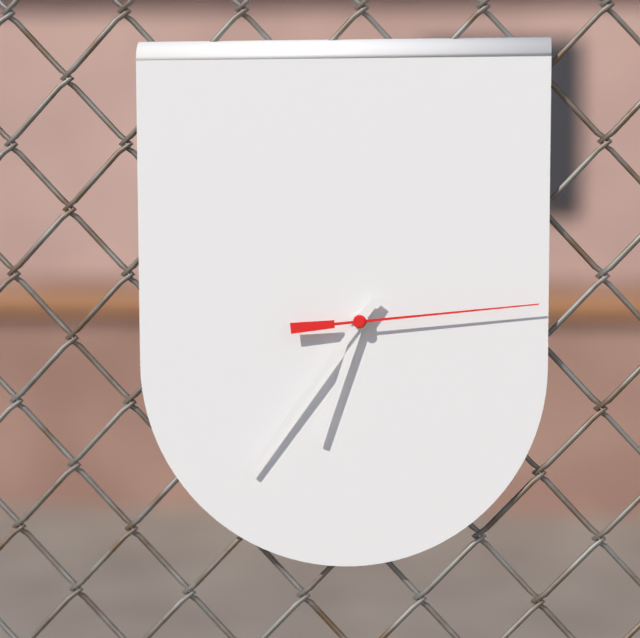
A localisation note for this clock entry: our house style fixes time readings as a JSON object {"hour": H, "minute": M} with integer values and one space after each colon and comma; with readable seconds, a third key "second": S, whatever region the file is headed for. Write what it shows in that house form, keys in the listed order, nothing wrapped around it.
{"hour": 6, "minute": 36, "second": 14}
